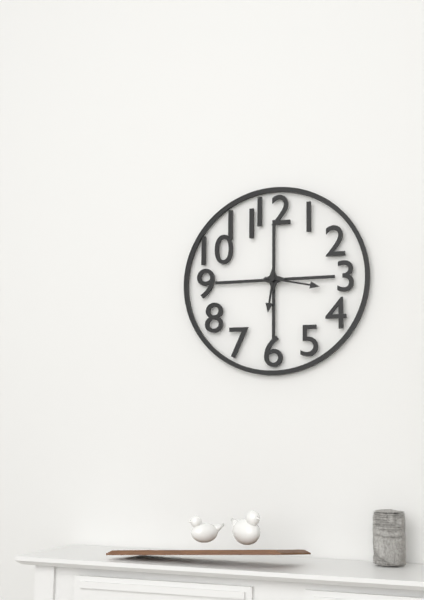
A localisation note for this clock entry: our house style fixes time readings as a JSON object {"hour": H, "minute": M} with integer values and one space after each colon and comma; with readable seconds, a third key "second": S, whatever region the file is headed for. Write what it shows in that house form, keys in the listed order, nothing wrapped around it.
{"hour": 6, "minute": 17}
